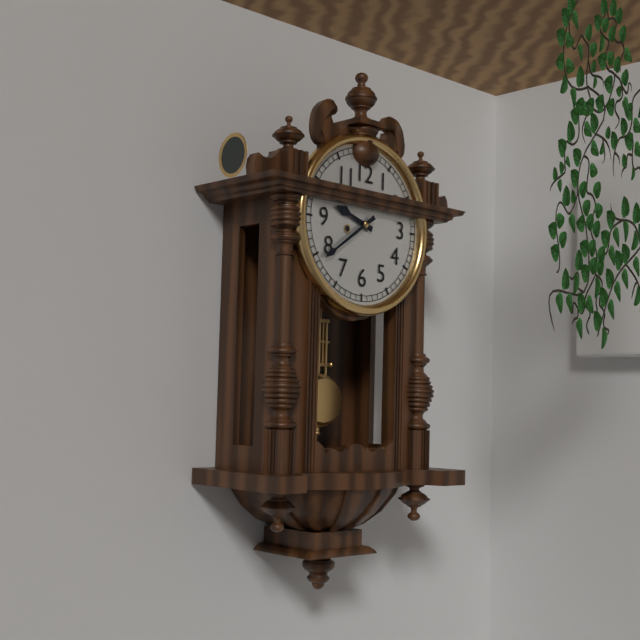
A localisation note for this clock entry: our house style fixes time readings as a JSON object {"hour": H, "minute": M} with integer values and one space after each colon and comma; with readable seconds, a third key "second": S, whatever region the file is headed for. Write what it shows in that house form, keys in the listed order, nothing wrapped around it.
{"hour": 9, "minute": 39}
